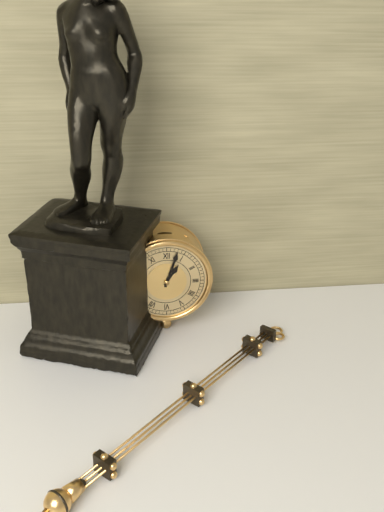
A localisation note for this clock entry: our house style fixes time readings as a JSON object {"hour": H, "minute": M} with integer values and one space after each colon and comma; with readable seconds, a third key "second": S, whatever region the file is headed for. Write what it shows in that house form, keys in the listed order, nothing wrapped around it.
{"hour": 1, "minute": 3}
